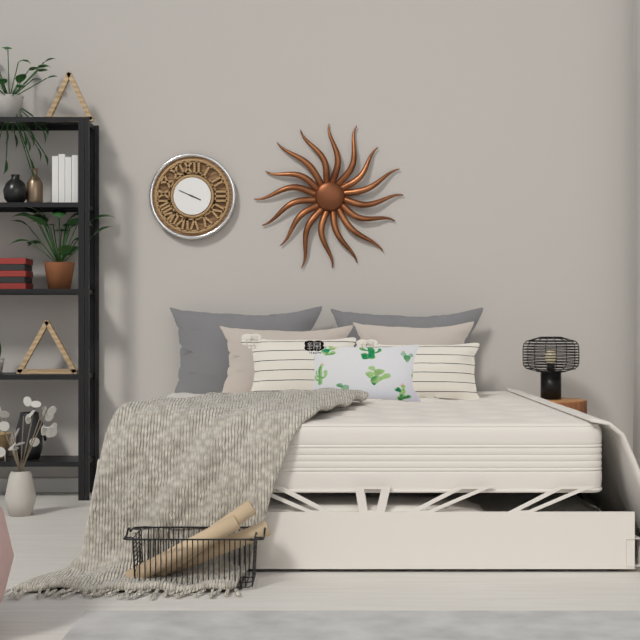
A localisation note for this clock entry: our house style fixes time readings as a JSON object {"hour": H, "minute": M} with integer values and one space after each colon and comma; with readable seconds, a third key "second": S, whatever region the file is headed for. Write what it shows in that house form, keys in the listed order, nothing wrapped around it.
{"hour": 3, "minute": 49}
